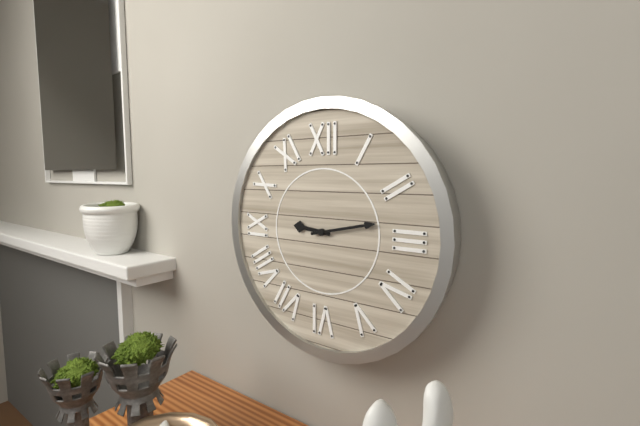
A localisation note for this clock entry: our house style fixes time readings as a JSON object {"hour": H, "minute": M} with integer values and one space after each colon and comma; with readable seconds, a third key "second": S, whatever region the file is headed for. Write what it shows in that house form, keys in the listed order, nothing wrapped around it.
{"hour": 9, "minute": 13}
